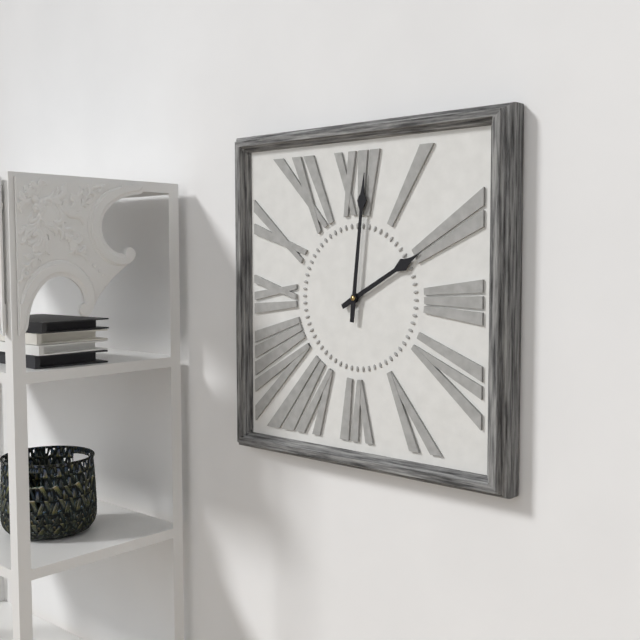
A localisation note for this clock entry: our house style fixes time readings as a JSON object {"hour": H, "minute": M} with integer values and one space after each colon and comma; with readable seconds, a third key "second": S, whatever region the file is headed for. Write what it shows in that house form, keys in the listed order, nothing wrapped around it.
{"hour": 2, "minute": 1}
